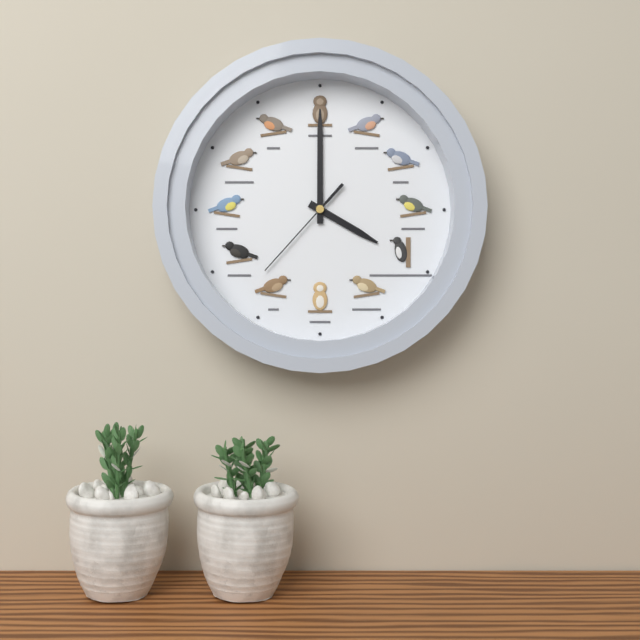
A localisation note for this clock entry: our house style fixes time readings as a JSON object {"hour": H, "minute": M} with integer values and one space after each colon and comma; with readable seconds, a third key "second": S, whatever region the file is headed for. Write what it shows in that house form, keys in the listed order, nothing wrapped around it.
{"hour": 4, "minute": 0, "second": 37}
